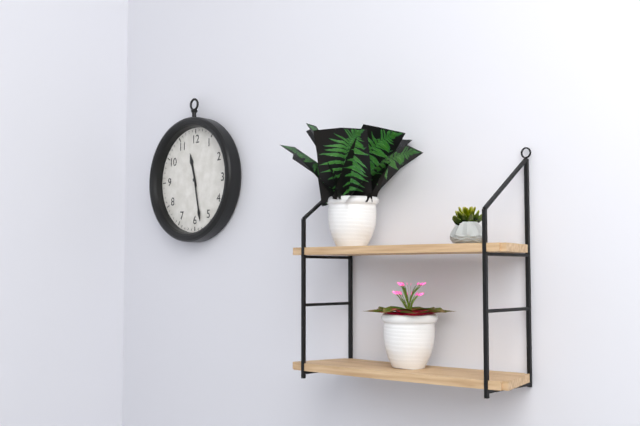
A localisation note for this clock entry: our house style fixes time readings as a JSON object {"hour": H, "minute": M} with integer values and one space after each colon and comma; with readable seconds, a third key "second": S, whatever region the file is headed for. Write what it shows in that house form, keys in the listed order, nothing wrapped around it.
{"hour": 11, "minute": 28}
